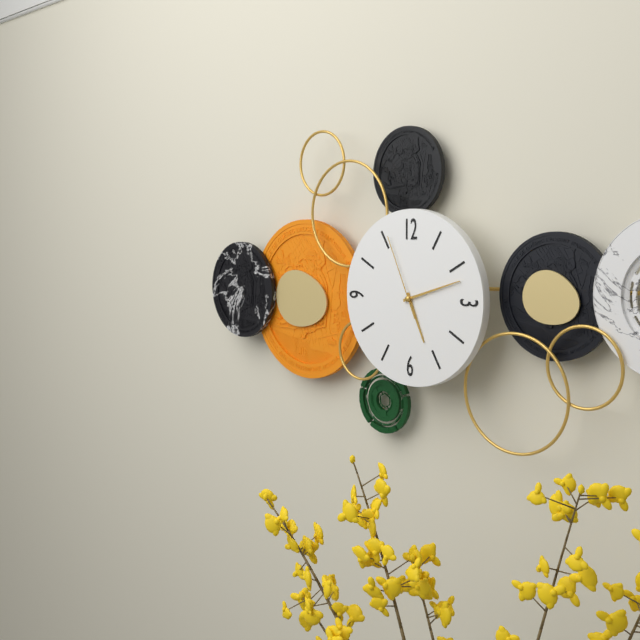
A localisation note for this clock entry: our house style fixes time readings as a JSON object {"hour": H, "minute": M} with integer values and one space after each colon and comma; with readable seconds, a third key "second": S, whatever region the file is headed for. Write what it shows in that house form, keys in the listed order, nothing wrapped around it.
{"hour": 5, "minute": 12, "second": 56}
